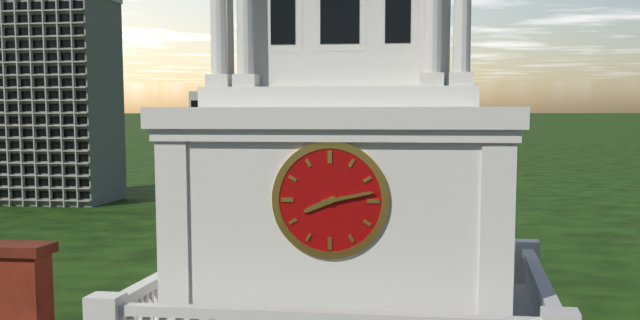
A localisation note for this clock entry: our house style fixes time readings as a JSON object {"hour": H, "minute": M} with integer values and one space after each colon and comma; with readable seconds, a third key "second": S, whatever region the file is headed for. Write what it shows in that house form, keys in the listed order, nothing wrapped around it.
{"hour": 8, "minute": 13}
